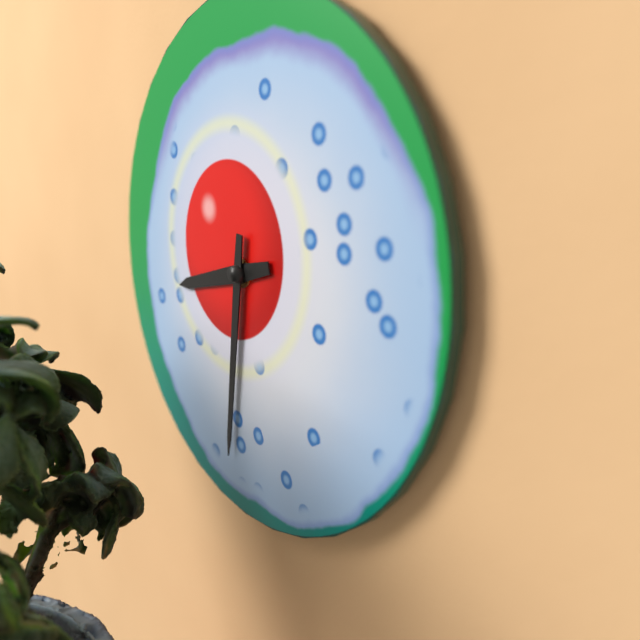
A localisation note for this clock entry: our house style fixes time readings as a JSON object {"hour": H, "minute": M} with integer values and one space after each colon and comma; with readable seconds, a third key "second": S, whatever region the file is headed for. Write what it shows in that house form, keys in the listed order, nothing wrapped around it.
{"hour": 8, "minute": 31}
